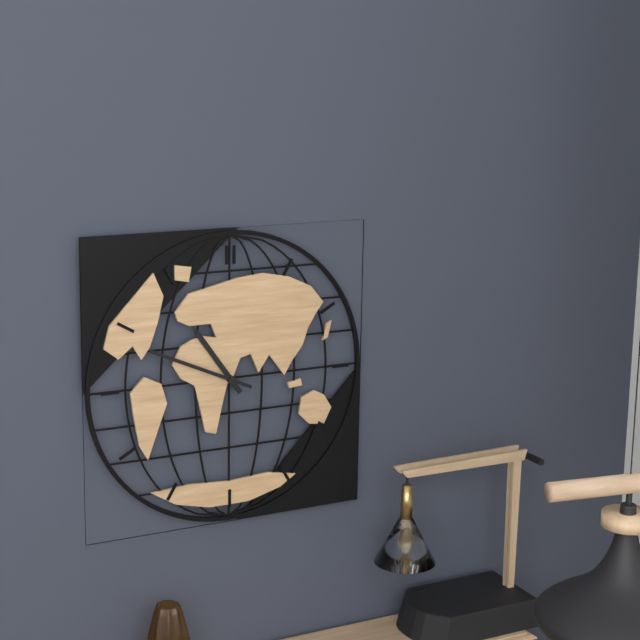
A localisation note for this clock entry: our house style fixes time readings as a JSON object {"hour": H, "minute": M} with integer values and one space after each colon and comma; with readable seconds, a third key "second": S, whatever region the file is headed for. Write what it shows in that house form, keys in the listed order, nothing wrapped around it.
{"hour": 10, "minute": 49}
